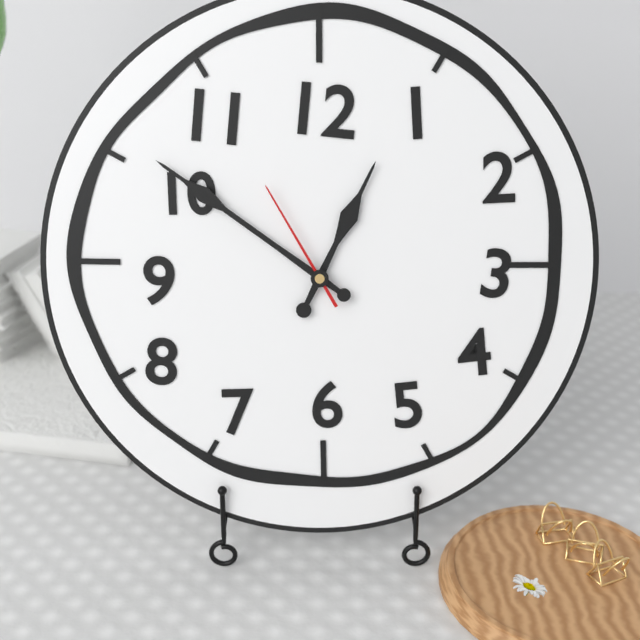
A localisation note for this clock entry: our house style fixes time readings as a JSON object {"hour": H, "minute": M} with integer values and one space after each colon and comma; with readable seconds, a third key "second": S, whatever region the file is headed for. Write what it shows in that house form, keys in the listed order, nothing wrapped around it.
{"hour": 12, "minute": 51, "second": 55}
